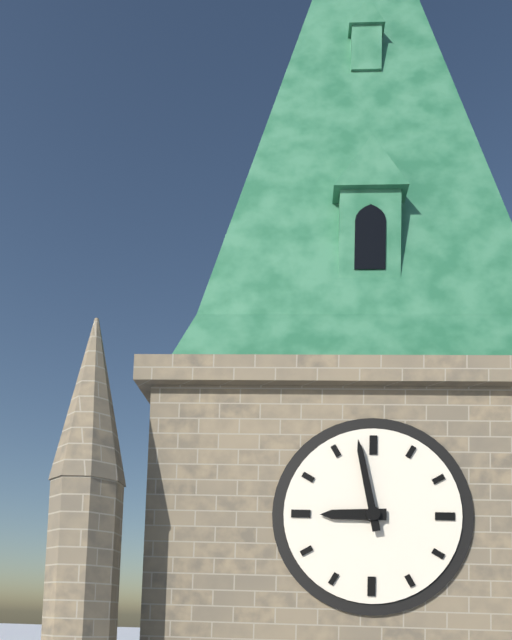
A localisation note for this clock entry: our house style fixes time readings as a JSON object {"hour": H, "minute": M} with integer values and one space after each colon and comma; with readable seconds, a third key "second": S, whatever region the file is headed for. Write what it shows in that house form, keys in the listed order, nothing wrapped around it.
{"hour": 8, "minute": 58}
